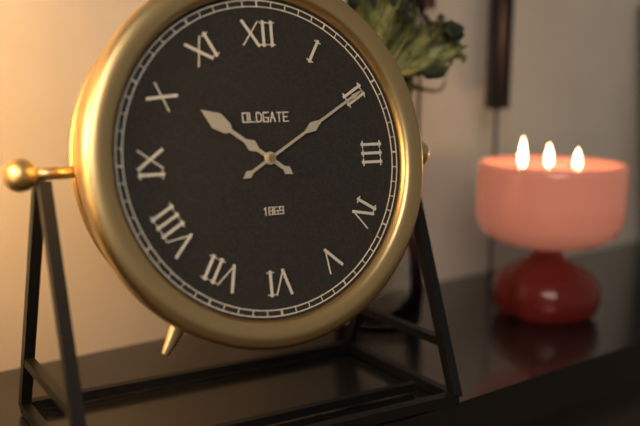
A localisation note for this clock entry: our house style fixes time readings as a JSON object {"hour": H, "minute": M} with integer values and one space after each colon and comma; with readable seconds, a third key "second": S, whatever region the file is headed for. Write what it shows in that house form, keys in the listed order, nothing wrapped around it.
{"hour": 10, "minute": 10}
